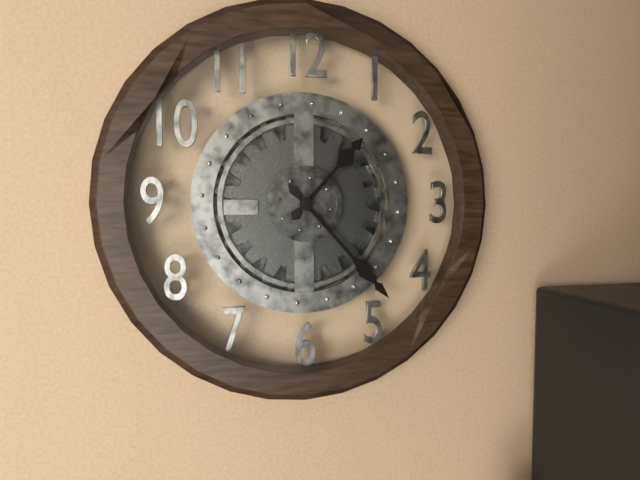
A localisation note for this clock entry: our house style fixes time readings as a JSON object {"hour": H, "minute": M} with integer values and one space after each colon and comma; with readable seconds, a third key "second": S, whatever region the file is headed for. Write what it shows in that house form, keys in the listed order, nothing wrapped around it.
{"hour": 1, "minute": 23}
